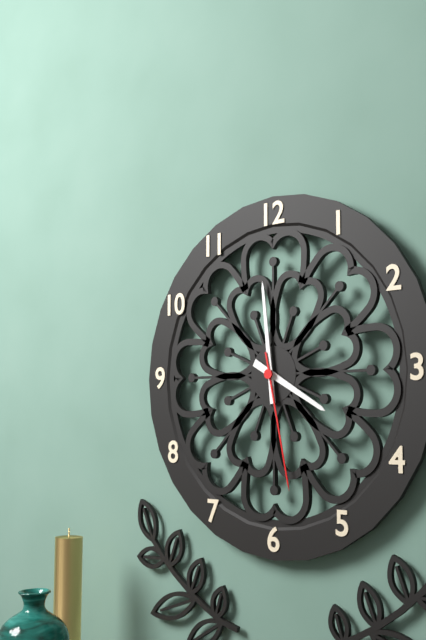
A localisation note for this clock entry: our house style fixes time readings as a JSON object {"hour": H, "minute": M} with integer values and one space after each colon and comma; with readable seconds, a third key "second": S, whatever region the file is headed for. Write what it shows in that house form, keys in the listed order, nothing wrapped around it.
{"hour": 3, "minute": 59, "second": 28}
